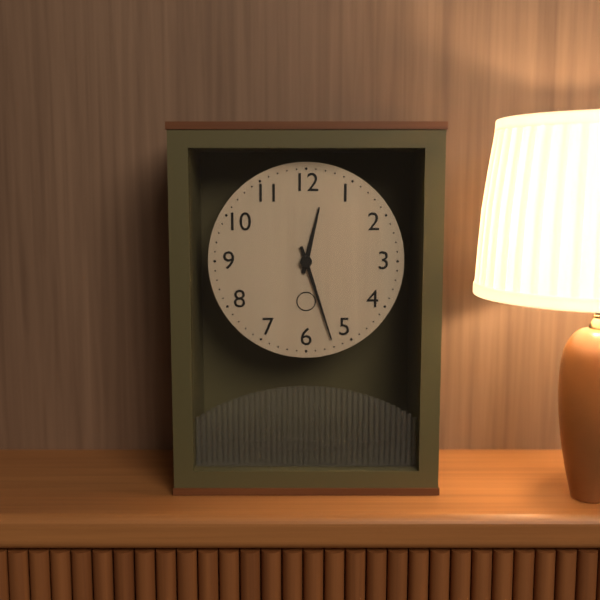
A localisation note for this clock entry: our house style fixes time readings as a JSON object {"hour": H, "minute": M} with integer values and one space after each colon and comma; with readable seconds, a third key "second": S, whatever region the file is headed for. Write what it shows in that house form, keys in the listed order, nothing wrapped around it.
{"hour": 12, "minute": 27}
